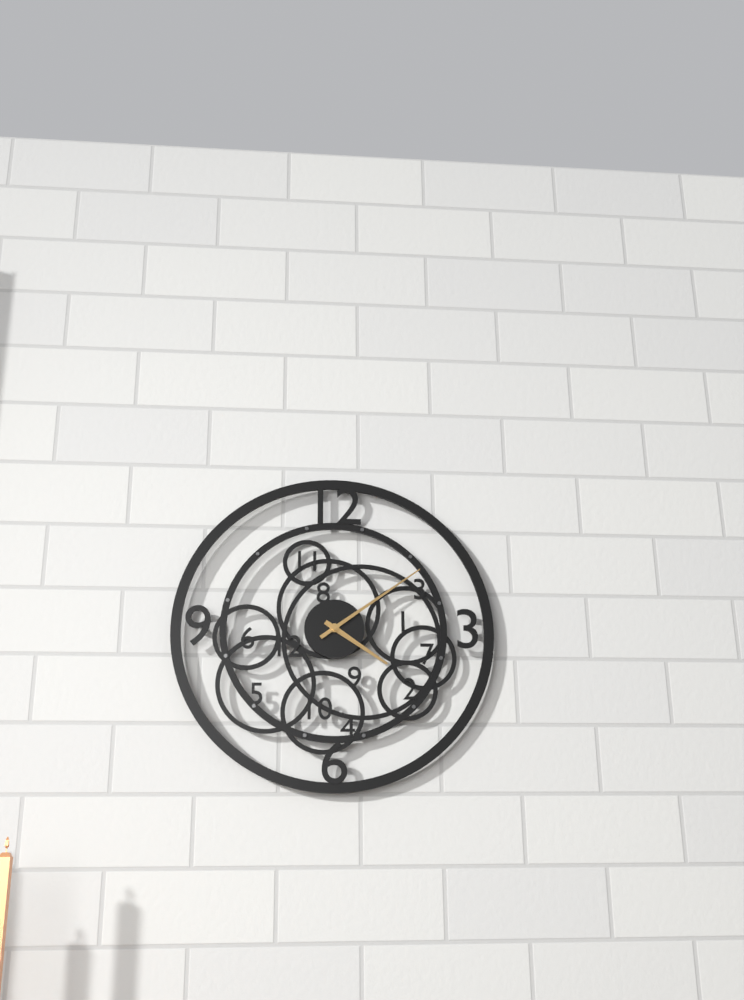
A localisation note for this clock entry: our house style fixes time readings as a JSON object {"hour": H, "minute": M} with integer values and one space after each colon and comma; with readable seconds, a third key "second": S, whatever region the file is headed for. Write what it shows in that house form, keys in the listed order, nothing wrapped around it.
{"hour": 4, "minute": 9}
